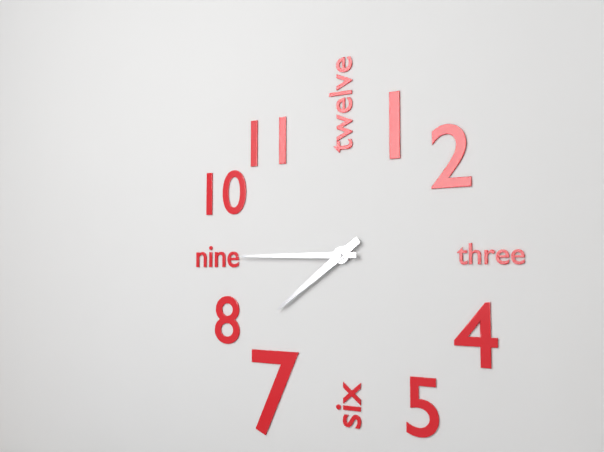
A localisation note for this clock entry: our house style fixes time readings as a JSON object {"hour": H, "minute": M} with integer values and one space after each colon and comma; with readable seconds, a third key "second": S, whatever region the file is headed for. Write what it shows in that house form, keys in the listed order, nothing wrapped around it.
{"hour": 7, "minute": 45}
